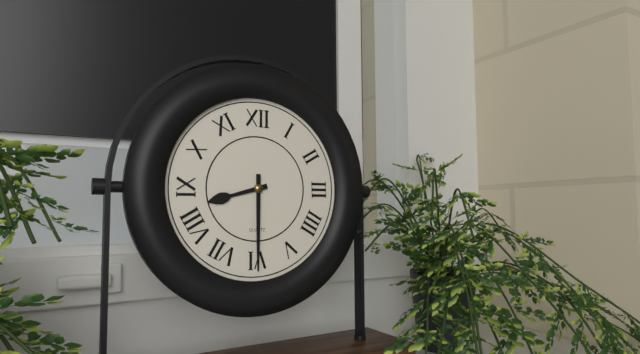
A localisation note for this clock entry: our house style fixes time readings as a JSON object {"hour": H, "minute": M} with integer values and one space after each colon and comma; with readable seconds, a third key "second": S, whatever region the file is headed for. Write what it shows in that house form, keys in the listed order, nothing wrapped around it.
{"hour": 8, "minute": 30}
